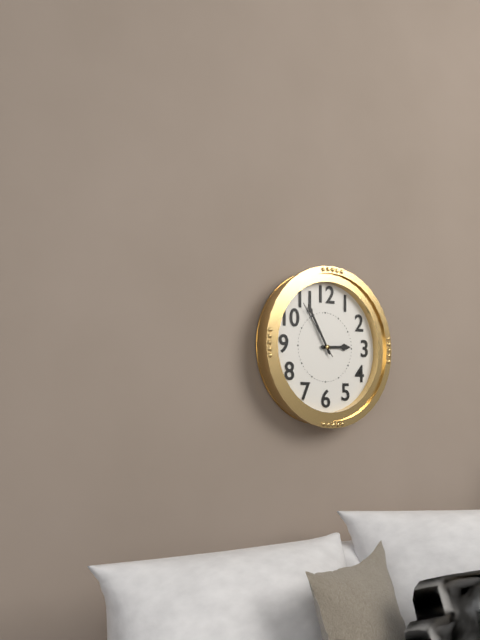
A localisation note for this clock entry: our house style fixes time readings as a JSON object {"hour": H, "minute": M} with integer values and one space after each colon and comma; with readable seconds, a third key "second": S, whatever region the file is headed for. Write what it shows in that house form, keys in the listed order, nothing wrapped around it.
{"hour": 2, "minute": 55, "second": 54}
